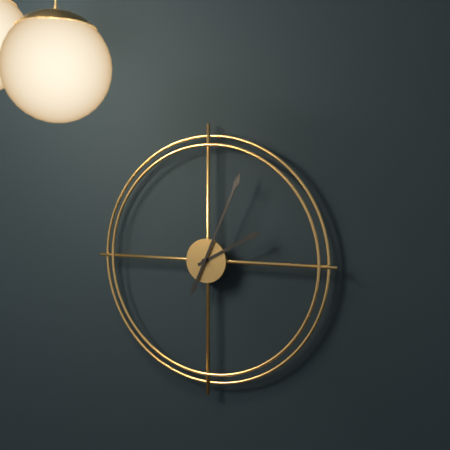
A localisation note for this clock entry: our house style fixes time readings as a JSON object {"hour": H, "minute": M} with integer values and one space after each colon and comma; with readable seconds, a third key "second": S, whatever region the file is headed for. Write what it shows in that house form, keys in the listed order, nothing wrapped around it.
{"hour": 2, "minute": 4}
